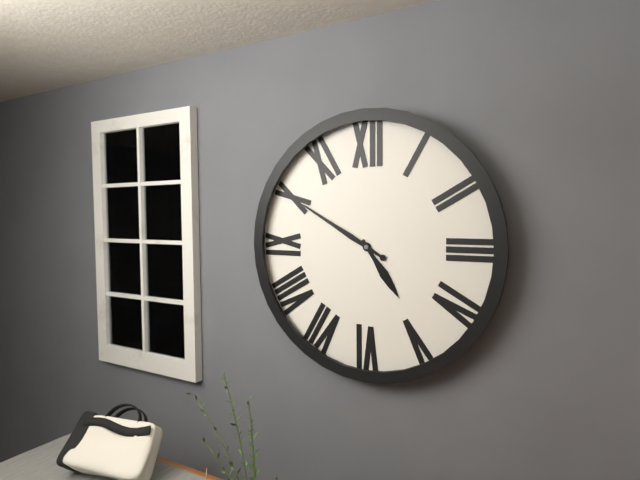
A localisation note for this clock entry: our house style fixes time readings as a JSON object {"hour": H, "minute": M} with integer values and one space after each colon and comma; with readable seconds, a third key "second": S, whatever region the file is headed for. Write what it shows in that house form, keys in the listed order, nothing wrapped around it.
{"hour": 4, "minute": 50}
